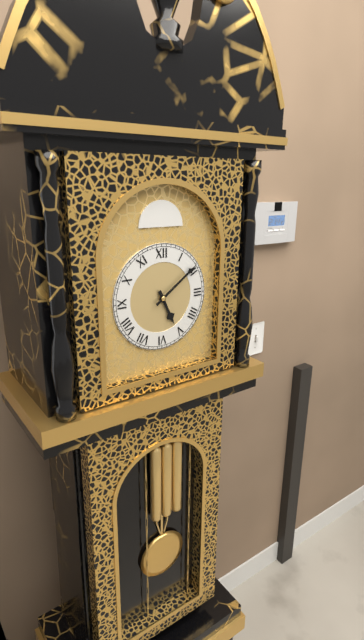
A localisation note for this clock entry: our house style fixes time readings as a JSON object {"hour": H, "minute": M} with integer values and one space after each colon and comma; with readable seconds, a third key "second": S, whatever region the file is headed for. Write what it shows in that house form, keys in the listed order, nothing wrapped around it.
{"hour": 5, "minute": 9}
